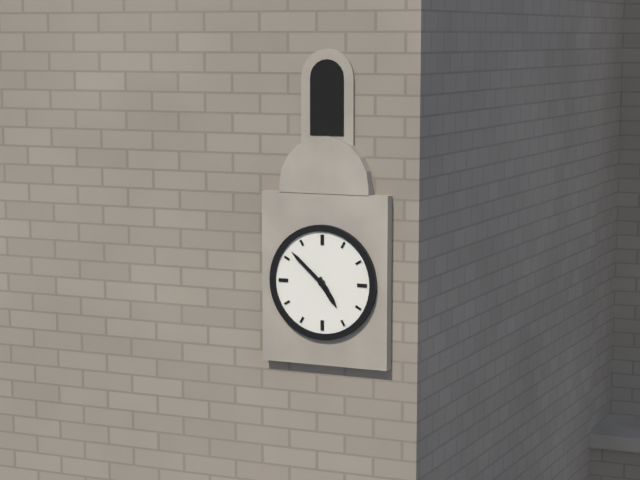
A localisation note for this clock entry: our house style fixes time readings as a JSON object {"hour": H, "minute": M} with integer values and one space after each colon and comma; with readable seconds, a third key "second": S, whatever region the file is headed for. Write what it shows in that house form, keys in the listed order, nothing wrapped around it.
{"hour": 4, "minute": 52}
